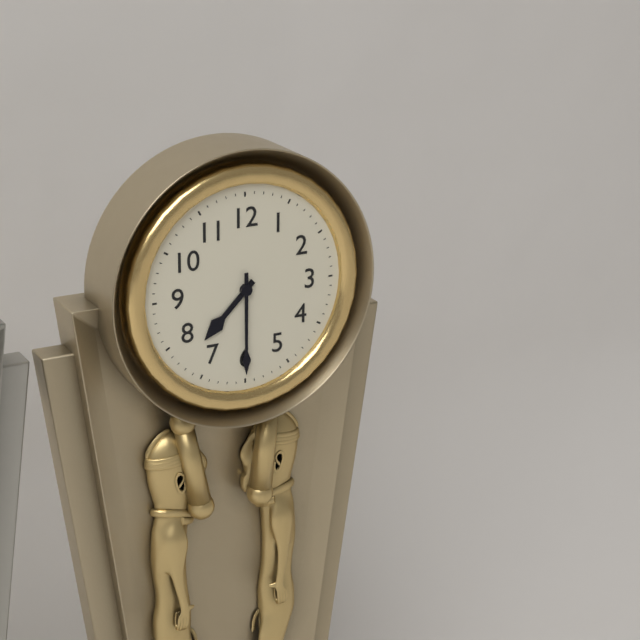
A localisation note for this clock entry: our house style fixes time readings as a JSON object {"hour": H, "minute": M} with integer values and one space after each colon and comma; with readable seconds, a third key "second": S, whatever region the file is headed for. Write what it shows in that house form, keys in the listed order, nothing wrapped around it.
{"hour": 7, "minute": 30}
